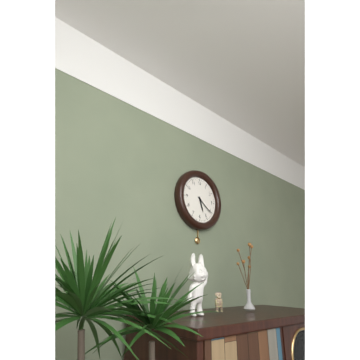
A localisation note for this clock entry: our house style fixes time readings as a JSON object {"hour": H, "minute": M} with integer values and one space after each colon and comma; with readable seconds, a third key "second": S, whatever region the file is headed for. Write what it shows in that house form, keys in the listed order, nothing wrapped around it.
{"hour": 5, "minute": 21}
